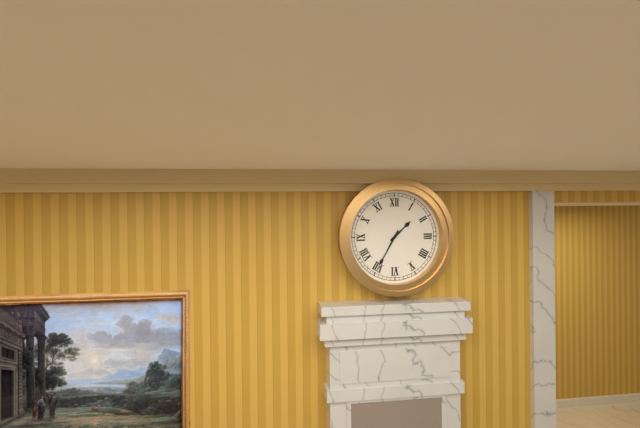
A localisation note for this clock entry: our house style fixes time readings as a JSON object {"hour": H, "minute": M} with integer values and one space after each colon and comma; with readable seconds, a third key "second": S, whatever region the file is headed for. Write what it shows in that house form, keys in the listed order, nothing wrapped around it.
{"hour": 1, "minute": 35}
